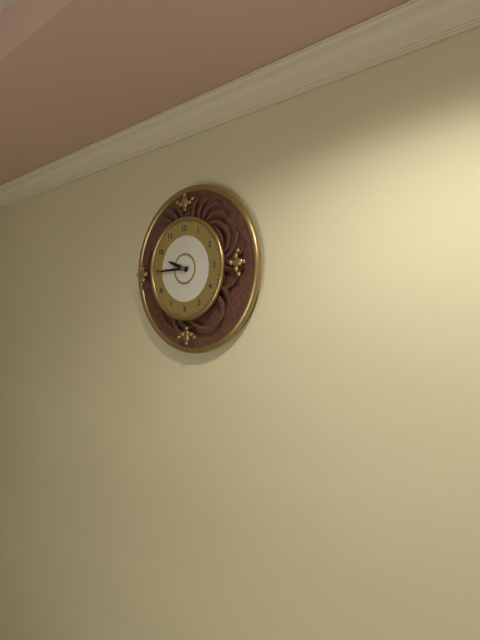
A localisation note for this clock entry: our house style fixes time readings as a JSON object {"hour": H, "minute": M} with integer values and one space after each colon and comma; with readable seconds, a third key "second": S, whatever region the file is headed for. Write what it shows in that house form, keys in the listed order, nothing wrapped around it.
{"hour": 9, "minute": 45}
